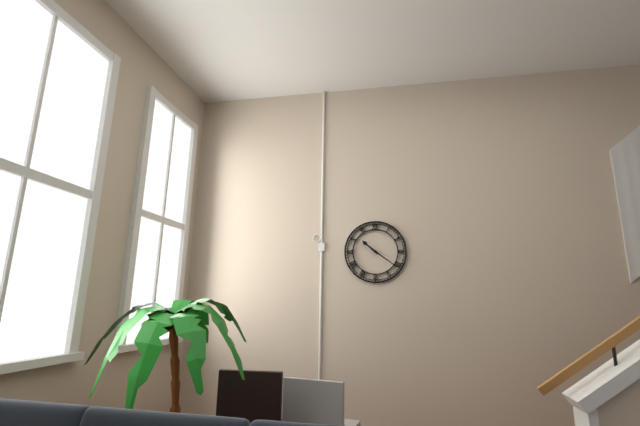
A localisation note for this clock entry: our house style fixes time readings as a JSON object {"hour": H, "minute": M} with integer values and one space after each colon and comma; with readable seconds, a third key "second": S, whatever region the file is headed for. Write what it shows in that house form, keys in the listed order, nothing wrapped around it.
{"hour": 10, "minute": 21}
